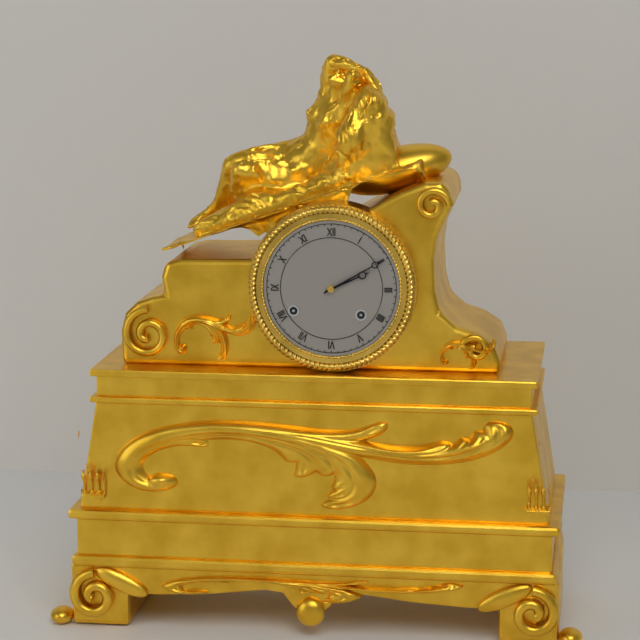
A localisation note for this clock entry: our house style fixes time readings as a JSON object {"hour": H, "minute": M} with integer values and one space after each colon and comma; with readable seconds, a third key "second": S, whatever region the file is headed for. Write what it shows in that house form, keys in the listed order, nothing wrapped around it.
{"hour": 2, "minute": 10}
